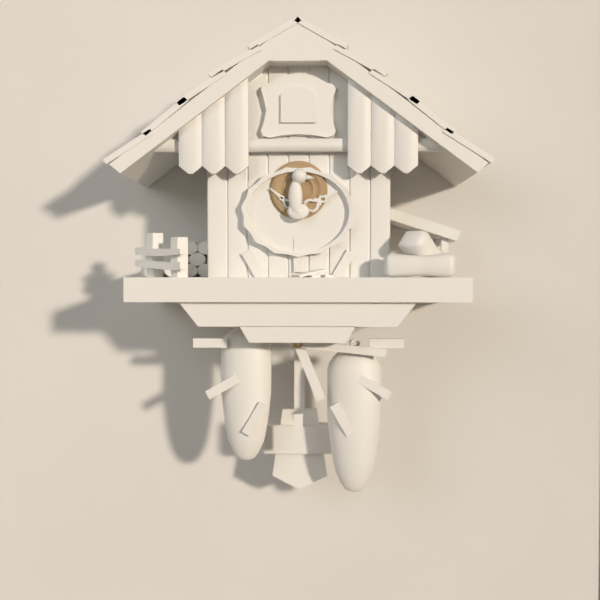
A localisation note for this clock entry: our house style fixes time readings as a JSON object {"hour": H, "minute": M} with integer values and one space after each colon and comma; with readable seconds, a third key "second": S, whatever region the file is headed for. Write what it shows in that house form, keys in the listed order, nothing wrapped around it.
{"hour": 5, "minute": 16}
